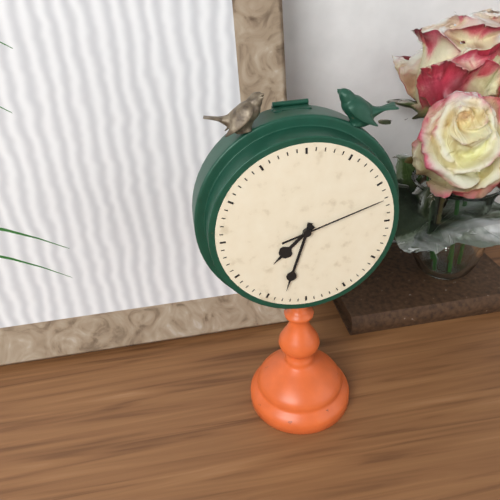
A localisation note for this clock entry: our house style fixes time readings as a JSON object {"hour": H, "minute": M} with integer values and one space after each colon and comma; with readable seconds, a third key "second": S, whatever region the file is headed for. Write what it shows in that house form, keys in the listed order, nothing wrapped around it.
{"hour": 7, "minute": 33, "second": 12}
